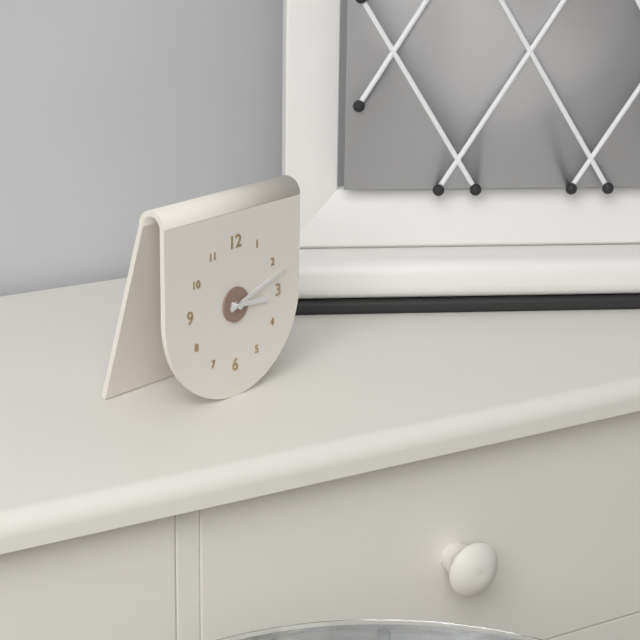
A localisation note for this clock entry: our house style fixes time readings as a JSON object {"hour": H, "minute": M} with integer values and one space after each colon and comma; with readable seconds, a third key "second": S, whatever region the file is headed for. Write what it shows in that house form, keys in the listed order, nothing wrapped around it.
{"hour": 3, "minute": 12}
